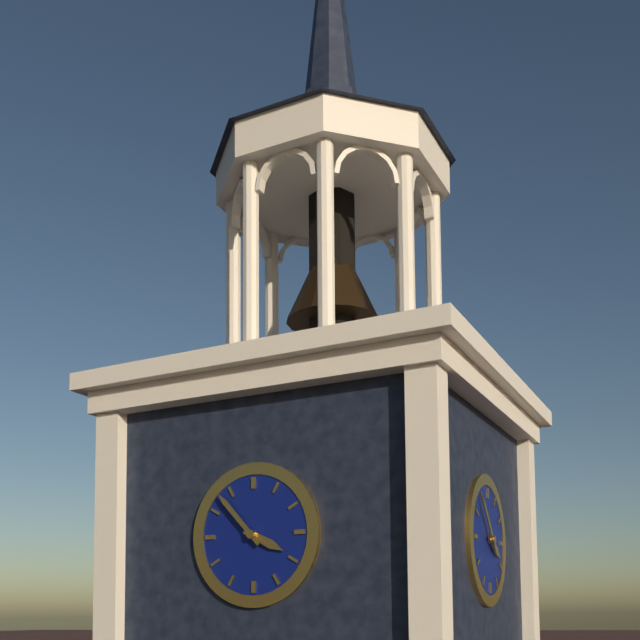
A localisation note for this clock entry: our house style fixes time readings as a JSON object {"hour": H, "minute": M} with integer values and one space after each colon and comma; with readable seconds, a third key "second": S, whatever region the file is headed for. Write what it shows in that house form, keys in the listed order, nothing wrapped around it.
{"hour": 3, "minute": 53}
